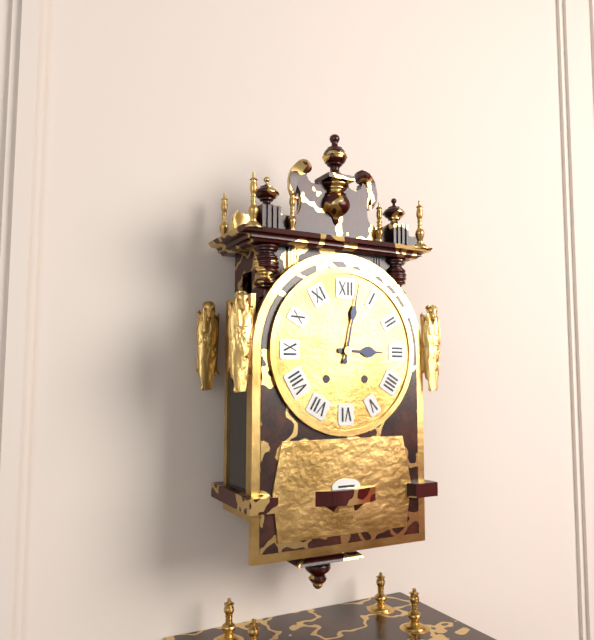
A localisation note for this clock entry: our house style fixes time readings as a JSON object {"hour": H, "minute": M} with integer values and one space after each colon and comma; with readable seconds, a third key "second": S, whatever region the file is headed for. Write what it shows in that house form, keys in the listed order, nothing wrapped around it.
{"hour": 3, "minute": 2}
